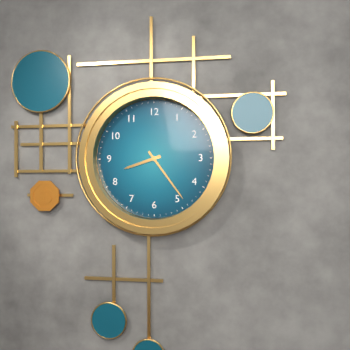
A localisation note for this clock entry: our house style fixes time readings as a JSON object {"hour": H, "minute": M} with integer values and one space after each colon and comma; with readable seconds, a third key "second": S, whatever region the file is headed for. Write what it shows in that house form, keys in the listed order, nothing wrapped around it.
{"hour": 8, "minute": 24}
